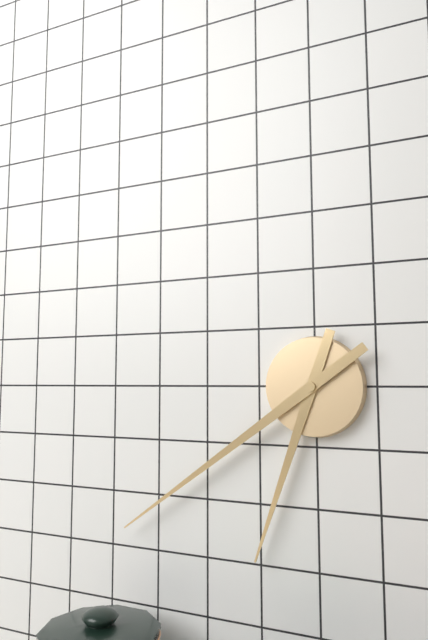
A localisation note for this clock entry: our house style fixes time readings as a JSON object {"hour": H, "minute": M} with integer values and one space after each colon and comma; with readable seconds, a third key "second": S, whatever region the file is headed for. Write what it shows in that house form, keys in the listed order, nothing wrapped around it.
{"hour": 6, "minute": 39}
